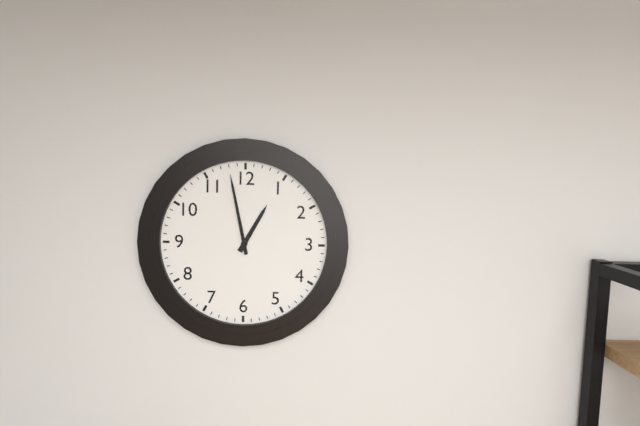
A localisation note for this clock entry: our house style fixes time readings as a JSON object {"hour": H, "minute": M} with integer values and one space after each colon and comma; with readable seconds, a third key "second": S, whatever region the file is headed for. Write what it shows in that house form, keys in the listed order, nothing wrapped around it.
{"hour": 12, "minute": 58}
